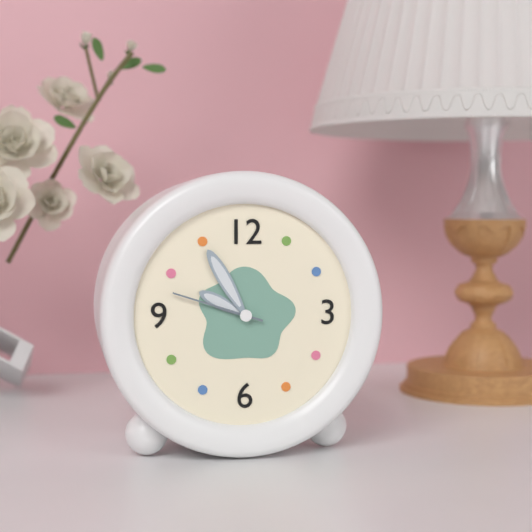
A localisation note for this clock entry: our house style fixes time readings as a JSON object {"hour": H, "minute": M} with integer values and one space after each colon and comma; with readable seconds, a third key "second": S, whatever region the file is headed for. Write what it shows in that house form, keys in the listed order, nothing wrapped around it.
{"hour": 9, "minute": 55, "second": 48}
